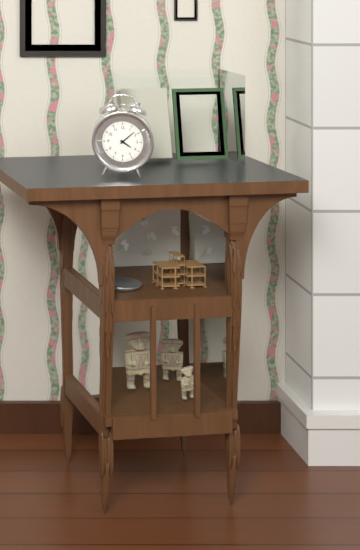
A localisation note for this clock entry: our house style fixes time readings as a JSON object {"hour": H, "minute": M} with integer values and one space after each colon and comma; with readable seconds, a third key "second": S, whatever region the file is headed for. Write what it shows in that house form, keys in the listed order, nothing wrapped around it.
{"hour": 4, "minute": 8}
